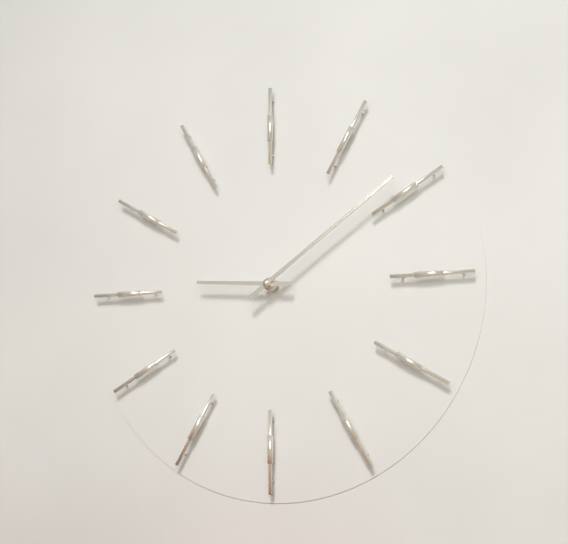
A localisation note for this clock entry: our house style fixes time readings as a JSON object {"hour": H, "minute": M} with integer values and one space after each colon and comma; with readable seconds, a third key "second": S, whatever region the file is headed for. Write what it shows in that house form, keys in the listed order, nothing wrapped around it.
{"hour": 9, "minute": 9}
